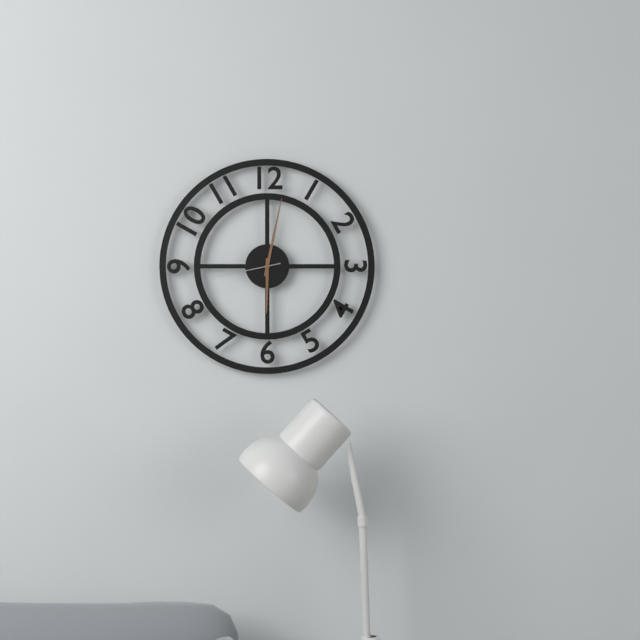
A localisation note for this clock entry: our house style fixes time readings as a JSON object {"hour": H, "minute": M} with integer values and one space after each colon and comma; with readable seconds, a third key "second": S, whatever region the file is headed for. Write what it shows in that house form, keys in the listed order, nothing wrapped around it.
{"hour": 6, "minute": 2, "second": 43}
